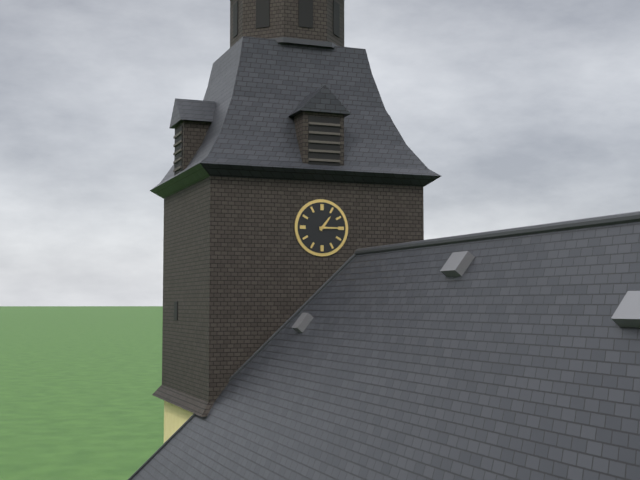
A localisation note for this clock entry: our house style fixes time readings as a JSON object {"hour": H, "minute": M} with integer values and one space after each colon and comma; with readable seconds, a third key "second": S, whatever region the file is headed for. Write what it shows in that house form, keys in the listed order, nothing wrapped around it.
{"hour": 1, "minute": 15}
